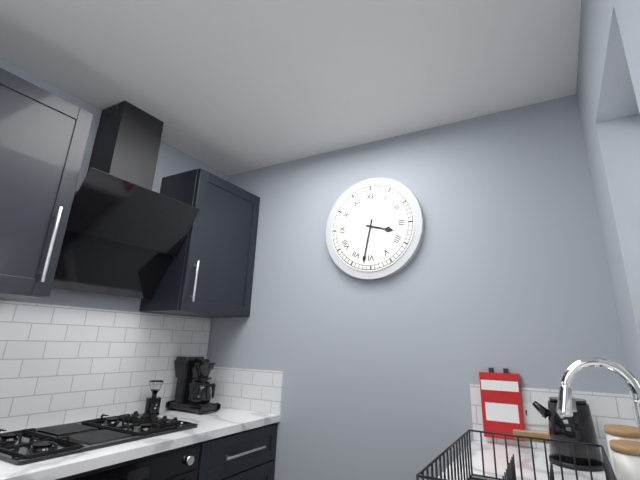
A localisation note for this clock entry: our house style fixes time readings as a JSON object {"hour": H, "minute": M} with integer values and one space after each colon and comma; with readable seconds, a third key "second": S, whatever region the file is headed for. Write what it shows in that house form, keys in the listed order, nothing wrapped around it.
{"hour": 3, "minute": 32}
